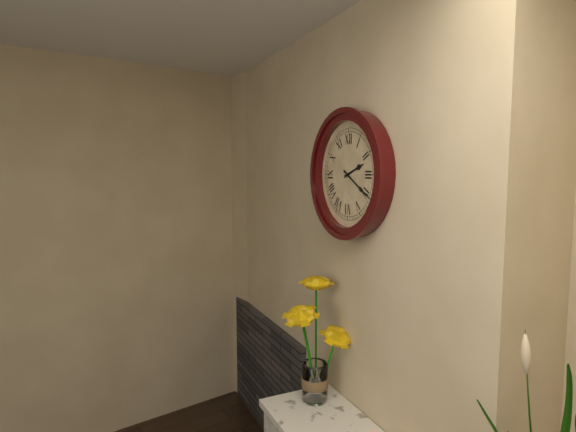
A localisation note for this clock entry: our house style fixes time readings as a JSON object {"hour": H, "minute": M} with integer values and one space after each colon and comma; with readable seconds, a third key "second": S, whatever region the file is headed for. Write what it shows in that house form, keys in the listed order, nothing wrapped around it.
{"hour": 2, "minute": 20}
